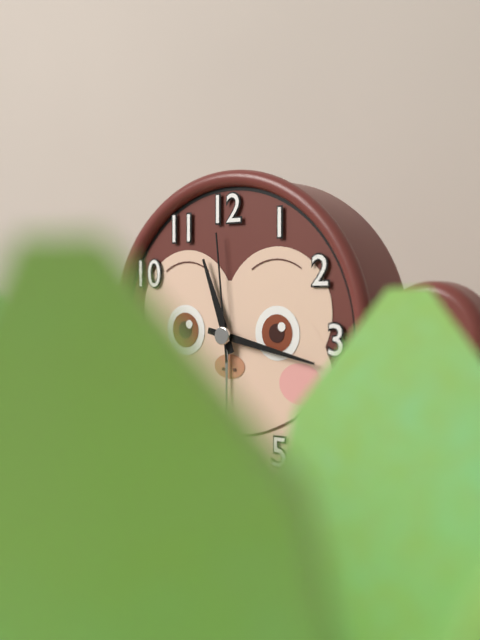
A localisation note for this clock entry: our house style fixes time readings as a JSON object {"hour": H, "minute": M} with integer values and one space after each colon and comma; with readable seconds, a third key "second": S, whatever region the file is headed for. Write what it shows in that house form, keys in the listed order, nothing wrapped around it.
{"hour": 11, "minute": 17, "second": 59}
